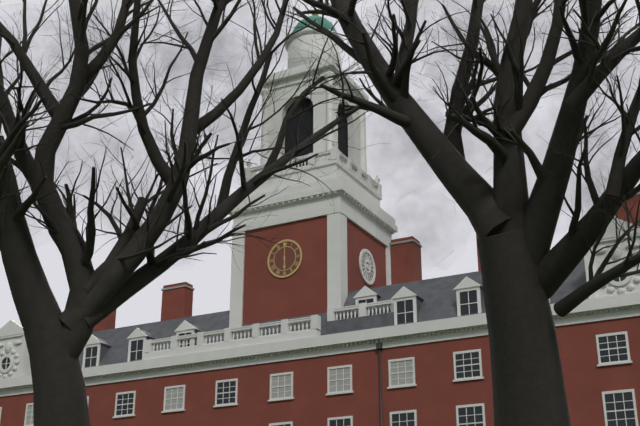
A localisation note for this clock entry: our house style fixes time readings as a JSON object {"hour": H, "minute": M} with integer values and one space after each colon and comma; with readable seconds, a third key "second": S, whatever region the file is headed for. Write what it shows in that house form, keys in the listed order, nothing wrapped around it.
{"hour": 6, "minute": 0}
